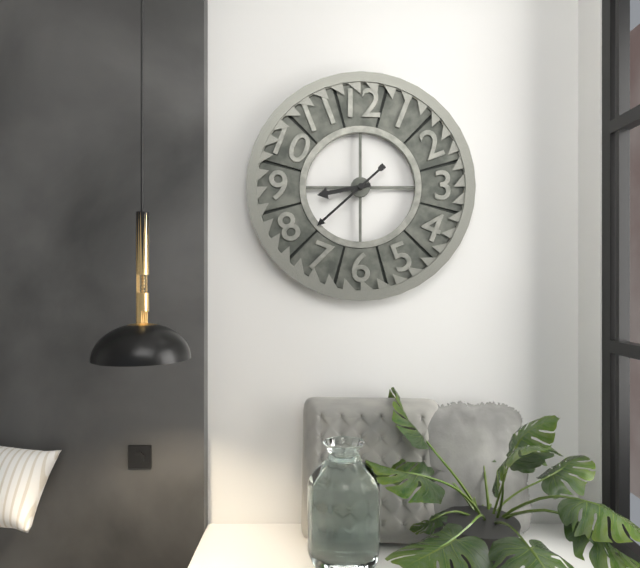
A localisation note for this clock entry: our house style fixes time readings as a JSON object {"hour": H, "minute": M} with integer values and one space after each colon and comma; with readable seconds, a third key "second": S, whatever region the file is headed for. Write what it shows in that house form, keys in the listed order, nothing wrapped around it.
{"hour": 8, "minute": 38}
